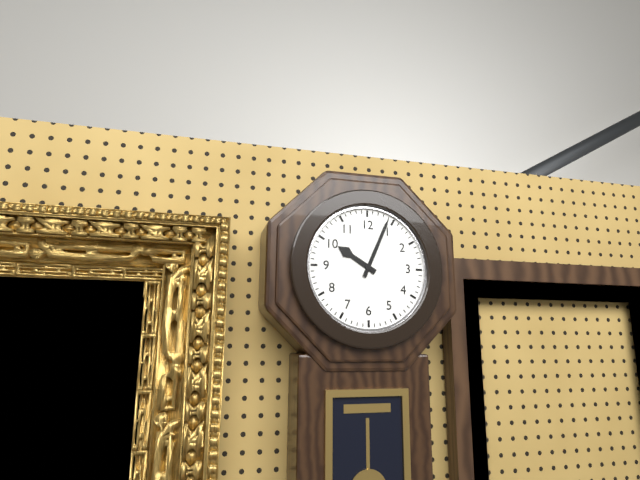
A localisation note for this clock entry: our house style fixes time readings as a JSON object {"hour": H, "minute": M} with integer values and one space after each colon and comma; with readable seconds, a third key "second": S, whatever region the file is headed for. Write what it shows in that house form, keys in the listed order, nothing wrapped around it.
{"hour": 10, "minute": 4}
